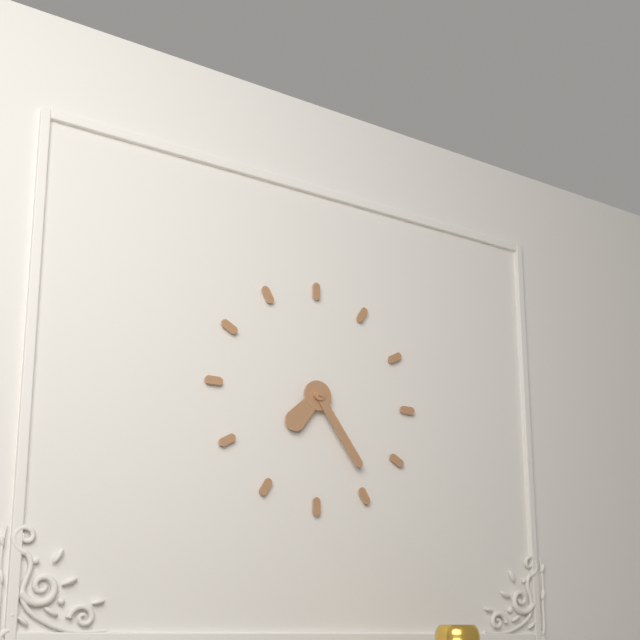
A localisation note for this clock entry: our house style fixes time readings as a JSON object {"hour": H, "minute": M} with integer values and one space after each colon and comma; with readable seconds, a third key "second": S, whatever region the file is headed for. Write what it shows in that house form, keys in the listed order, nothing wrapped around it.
{"hour": 7, "minute": 24}
